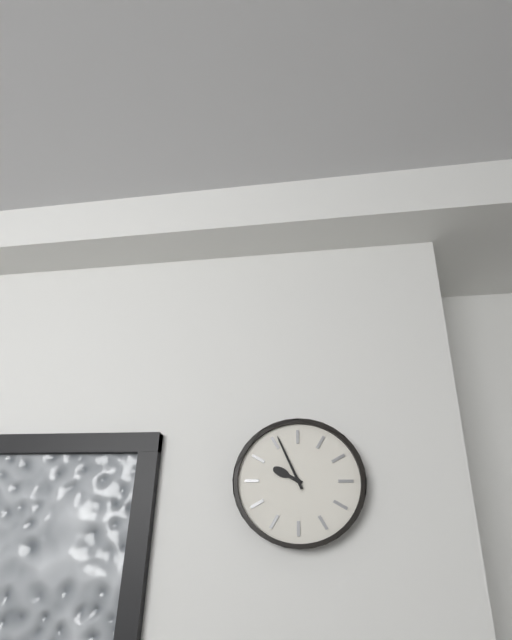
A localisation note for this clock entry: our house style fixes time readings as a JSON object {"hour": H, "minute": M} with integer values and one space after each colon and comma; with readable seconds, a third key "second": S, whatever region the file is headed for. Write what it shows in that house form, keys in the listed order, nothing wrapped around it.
{"hour": 9, "minute": 56}
